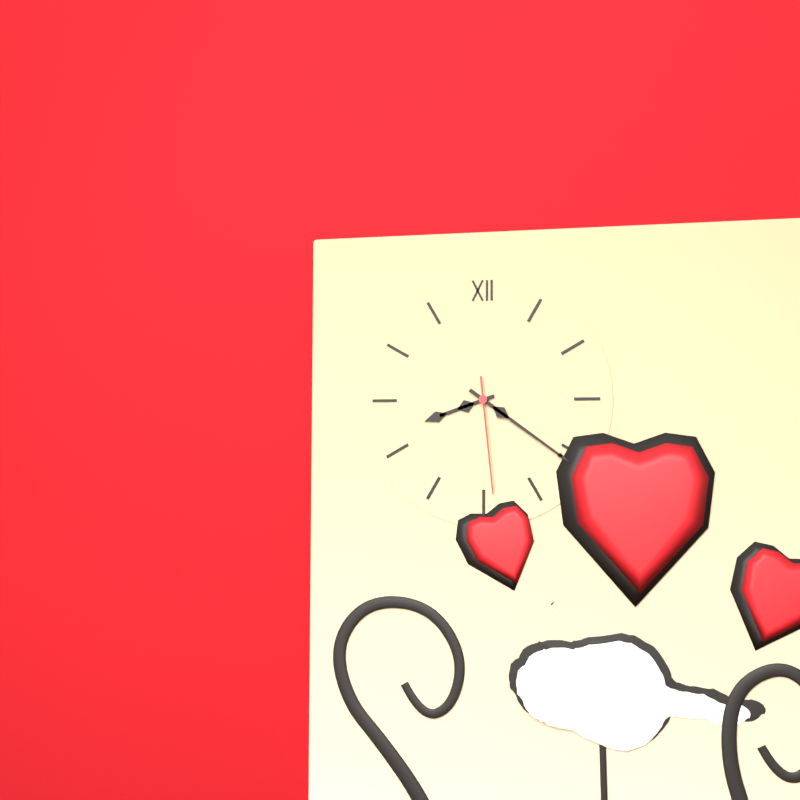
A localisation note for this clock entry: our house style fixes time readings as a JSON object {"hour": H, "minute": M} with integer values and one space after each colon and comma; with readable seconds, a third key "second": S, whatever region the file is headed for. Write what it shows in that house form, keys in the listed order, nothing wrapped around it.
{"hour": 8, "minute": 21, "second": 29}
